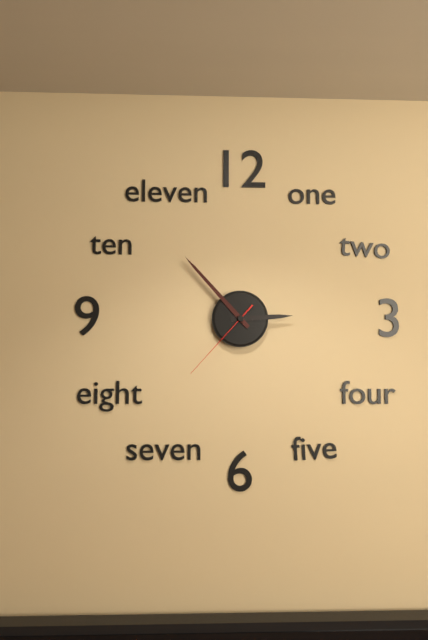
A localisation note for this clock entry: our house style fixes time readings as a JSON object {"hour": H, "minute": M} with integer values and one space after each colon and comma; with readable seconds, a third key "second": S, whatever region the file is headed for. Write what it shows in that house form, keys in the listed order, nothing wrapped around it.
{"hour": 2, "minute": 53, "second": 37}
